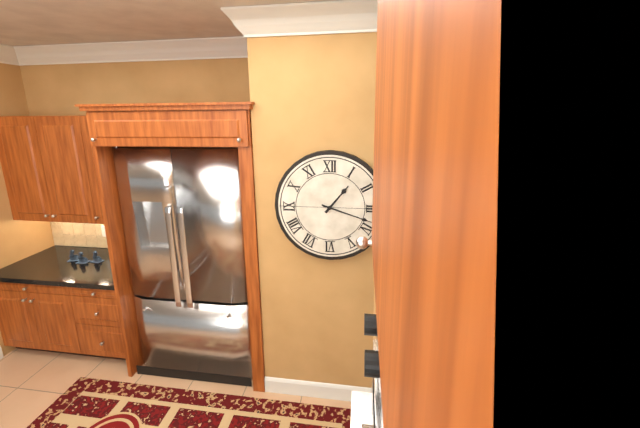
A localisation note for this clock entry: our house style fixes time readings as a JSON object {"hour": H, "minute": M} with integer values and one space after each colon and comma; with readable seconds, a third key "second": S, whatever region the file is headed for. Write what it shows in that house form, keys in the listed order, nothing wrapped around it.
{"hour": 1, "minute": 18}
